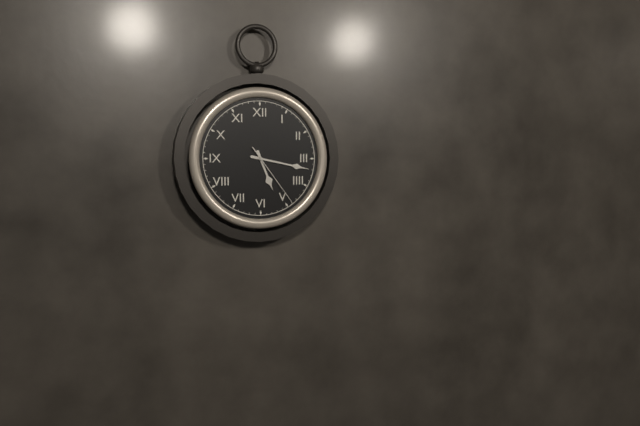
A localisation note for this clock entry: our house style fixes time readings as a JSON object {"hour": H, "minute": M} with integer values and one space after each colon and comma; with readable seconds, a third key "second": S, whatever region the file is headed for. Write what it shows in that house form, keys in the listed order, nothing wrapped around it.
{"hour": 5, "minute": 17, "second": 24}
